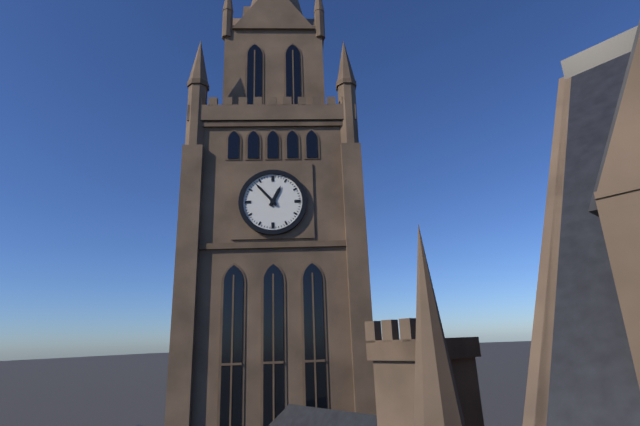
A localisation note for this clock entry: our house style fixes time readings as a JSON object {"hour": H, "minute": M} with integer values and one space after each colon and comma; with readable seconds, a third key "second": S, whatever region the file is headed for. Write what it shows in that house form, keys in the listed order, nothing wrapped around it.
{"hour": 12, "minute": 53}
